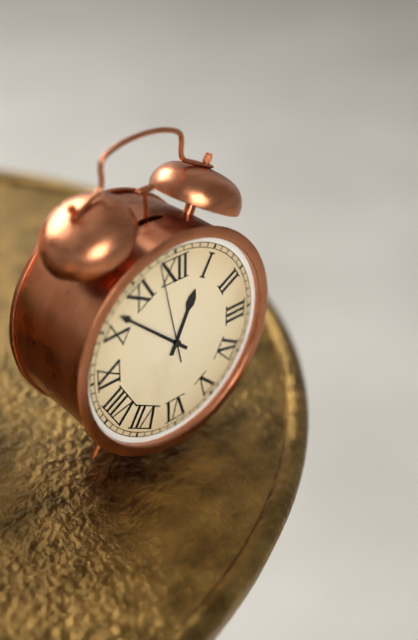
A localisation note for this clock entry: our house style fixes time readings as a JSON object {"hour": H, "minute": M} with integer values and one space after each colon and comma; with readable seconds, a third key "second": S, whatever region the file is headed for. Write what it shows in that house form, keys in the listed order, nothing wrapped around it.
{"hour": 12, "minute": 52, "second": 58}
